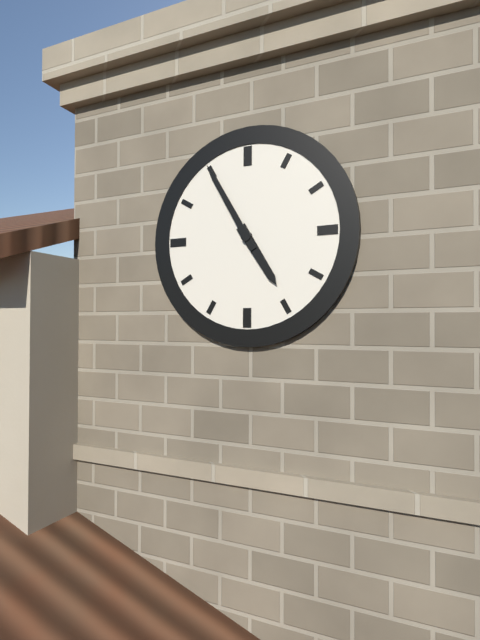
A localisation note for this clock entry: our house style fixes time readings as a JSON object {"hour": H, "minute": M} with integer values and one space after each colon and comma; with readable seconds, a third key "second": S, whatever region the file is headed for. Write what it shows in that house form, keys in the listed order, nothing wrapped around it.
{"hour": 4, "minute": 55}
